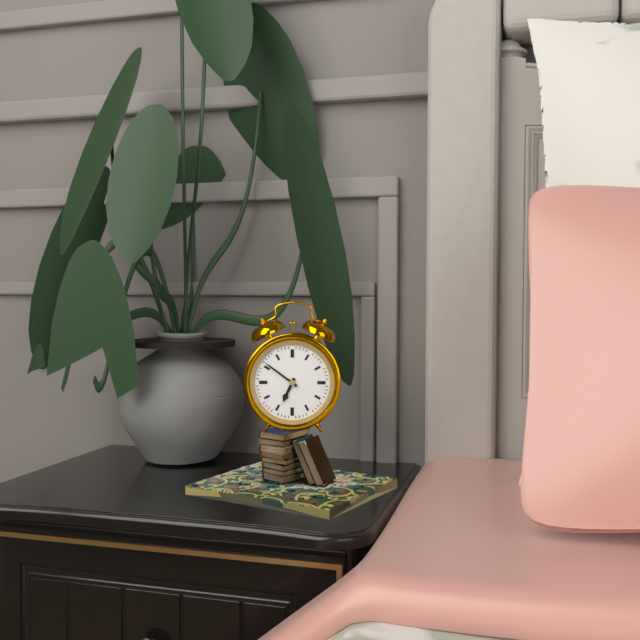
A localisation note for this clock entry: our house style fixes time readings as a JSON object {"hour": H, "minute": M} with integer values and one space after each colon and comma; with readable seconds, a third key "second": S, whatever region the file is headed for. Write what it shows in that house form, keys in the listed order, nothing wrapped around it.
{"hour": 6, "minute": 51}
